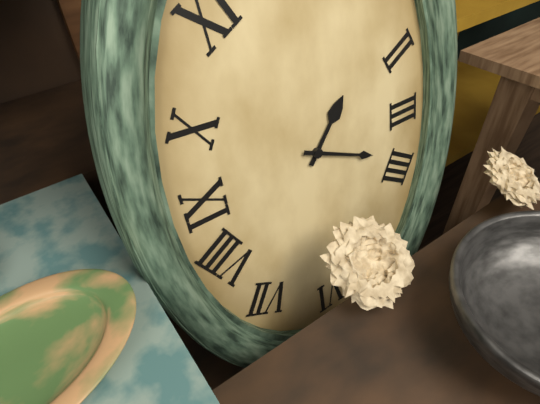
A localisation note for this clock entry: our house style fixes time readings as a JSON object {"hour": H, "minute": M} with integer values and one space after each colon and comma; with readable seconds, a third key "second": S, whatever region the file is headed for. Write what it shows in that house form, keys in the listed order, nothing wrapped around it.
{"hour": 1, "minute": 19}
